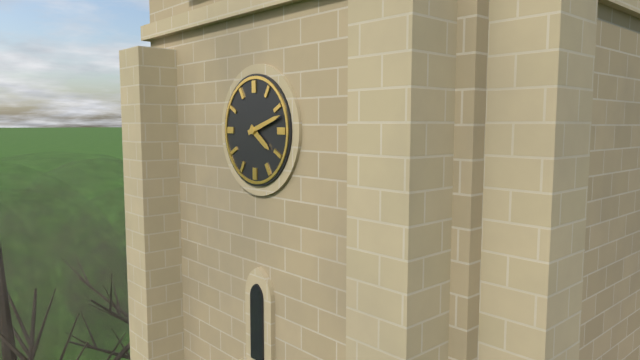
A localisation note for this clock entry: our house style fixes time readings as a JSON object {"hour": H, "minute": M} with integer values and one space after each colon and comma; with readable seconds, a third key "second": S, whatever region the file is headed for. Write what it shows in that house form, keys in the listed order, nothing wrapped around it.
{"hour": 4, "minute": 12}
